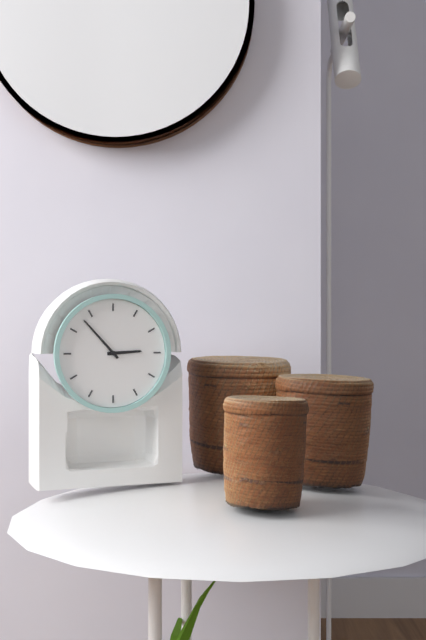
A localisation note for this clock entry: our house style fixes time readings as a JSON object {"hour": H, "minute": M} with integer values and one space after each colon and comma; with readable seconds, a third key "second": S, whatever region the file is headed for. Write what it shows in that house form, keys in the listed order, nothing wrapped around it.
{"hour": 2, "minute": 53}
